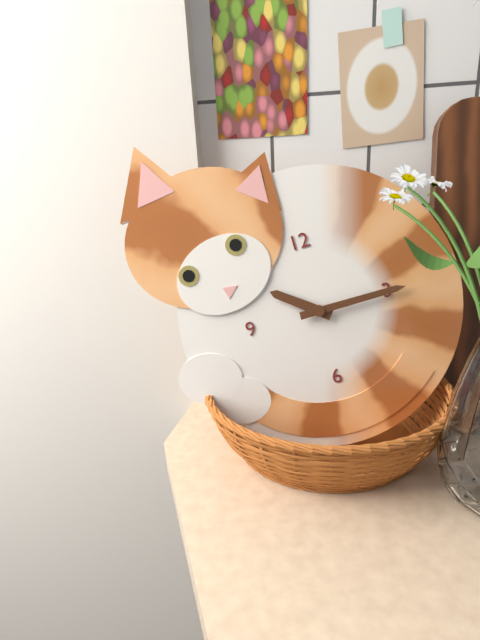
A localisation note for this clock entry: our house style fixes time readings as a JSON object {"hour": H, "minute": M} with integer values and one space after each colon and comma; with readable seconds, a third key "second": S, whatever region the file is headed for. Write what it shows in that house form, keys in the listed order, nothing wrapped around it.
{"hour": 10, "minute": 15}
